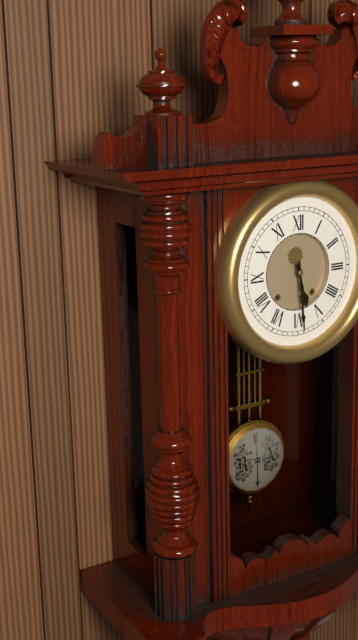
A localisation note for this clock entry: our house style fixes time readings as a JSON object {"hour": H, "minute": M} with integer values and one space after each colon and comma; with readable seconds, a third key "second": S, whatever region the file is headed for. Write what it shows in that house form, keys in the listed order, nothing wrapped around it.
{"hour": 5, "minute": 29}
